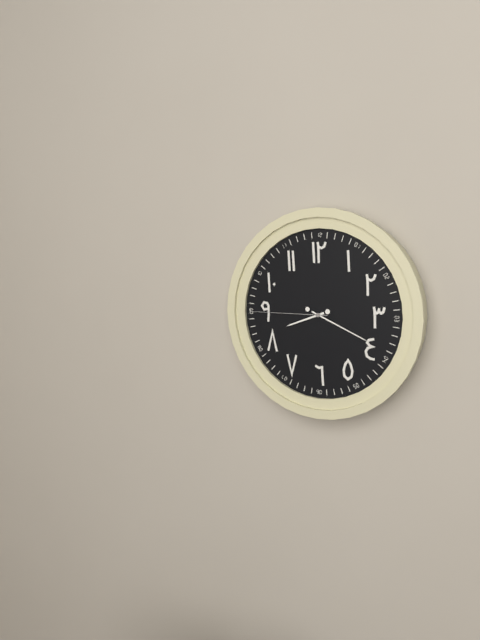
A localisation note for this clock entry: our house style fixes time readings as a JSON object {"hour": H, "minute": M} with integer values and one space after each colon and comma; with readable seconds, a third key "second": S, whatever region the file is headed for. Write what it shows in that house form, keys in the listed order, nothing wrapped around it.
{"hour": 8, "minute": 19, "second": 45}
